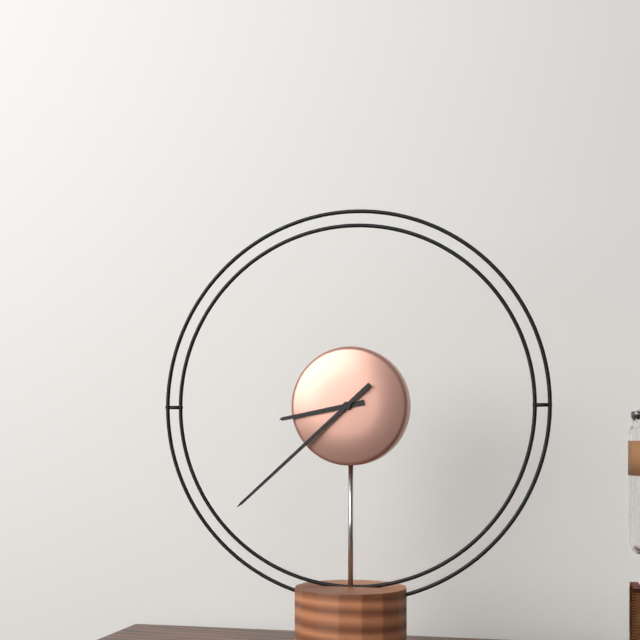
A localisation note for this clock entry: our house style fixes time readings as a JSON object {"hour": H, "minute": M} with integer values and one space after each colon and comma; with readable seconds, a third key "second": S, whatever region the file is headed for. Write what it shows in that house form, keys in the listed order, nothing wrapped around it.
{"hour": 8, "minute": 38}
